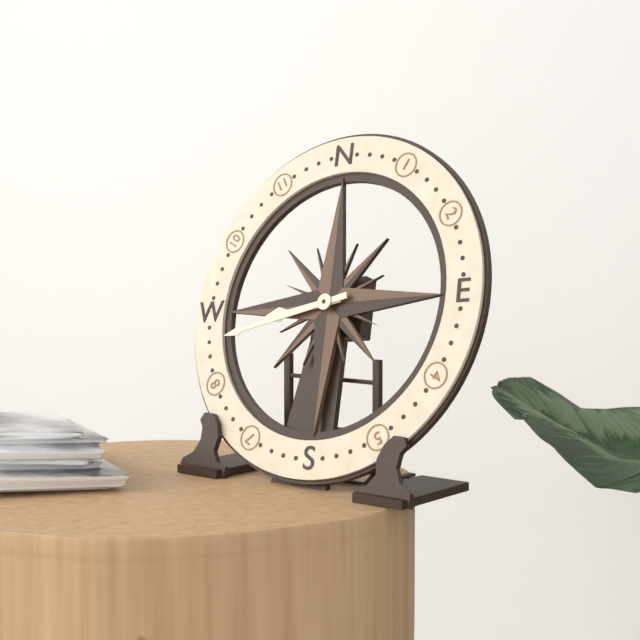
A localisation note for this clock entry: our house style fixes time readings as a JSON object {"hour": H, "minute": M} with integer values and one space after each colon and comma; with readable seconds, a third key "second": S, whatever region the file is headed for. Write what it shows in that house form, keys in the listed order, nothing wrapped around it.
{"hour": 8, "minute": 43}
